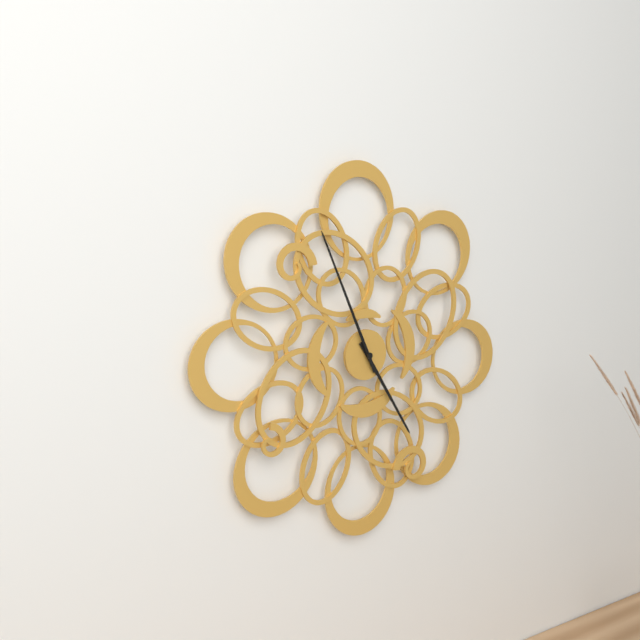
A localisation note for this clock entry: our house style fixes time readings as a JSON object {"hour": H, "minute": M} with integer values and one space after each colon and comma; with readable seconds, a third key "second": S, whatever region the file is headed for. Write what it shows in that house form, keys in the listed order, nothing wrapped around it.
{"hour": 4, "minute": 56}
